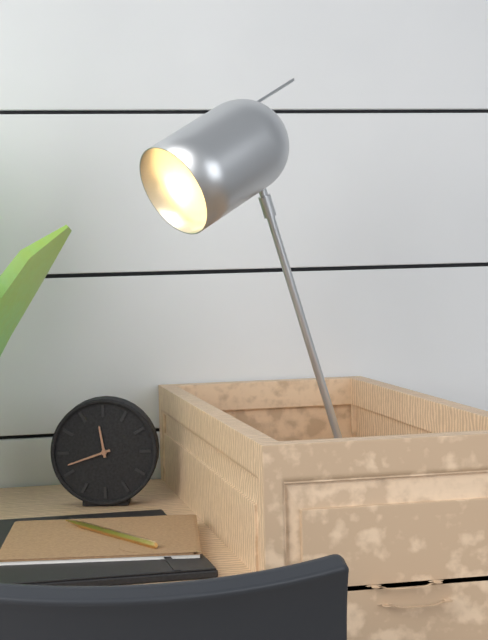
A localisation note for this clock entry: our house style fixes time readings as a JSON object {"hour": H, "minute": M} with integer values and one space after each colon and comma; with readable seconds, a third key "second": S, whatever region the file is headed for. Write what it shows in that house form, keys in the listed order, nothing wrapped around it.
{"hour": 11, "minute": 42}
